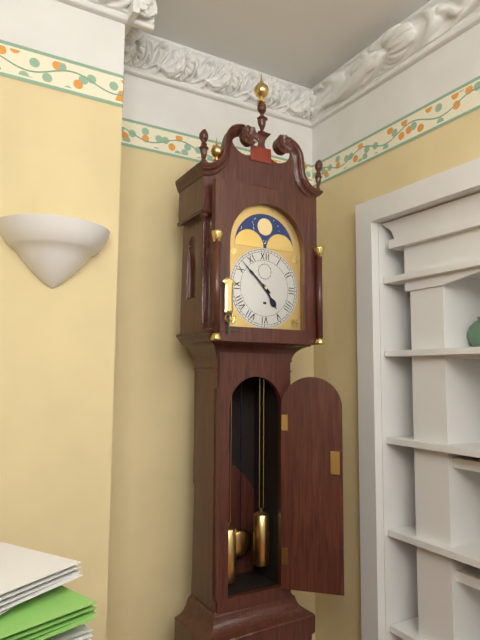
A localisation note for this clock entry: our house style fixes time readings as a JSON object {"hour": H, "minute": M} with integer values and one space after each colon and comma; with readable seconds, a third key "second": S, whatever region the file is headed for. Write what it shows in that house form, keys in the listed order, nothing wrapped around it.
{"hour": 4, "minute": 52}
